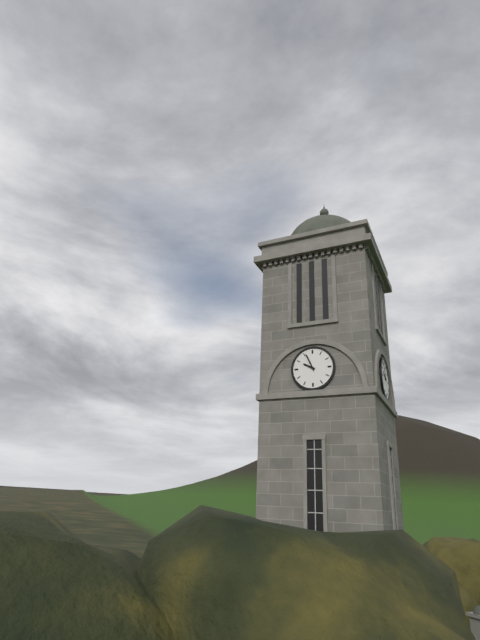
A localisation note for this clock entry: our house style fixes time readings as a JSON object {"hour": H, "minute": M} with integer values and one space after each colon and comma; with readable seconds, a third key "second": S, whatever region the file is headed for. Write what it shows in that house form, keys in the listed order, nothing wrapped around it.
{"hour": 9, "minute": 56}
